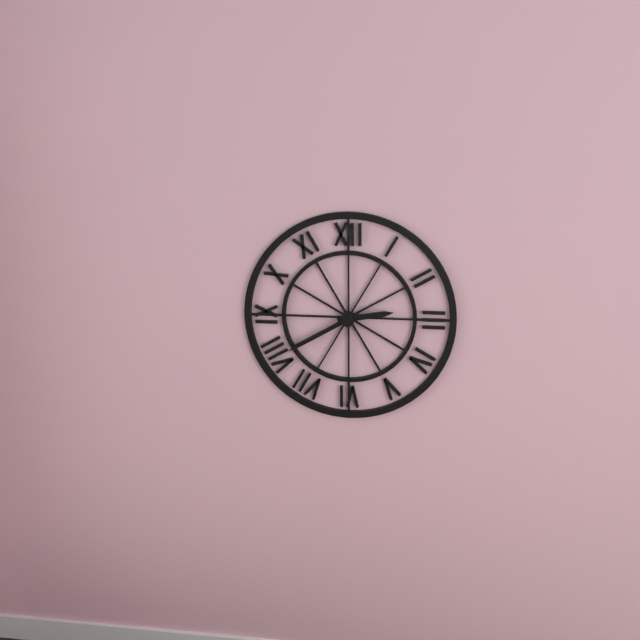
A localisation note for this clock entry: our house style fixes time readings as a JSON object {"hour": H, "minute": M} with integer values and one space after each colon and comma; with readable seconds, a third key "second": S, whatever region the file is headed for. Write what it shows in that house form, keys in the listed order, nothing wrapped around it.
{"hour": 2, "minute": 40}
